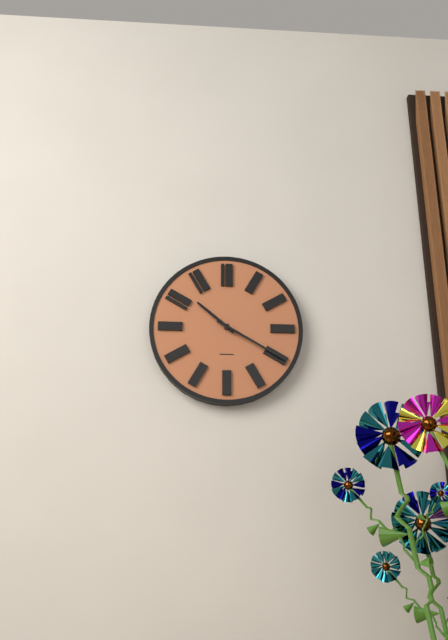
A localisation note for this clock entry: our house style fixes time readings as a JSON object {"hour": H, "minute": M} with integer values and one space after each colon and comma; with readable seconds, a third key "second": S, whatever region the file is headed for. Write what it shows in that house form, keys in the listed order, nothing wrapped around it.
{"hour": 10, "minute": 20}
